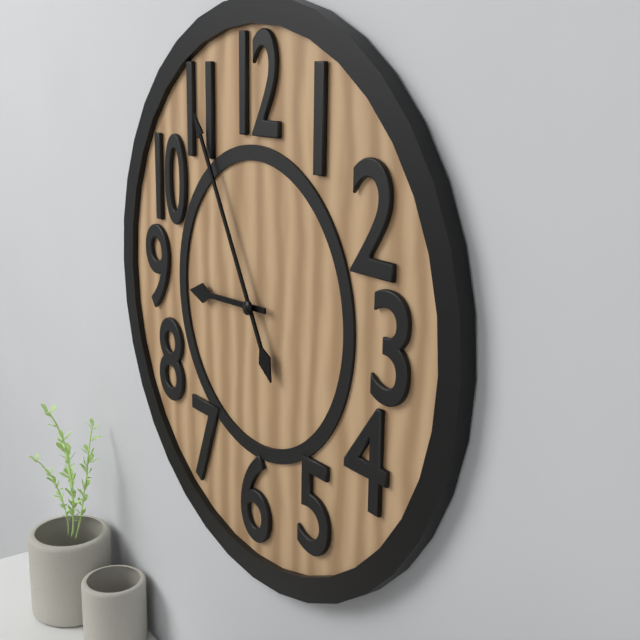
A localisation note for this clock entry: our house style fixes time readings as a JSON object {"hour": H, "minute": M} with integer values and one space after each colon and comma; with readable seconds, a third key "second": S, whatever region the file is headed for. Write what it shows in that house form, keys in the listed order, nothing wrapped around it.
{"hour": 8, "minute": 55}
